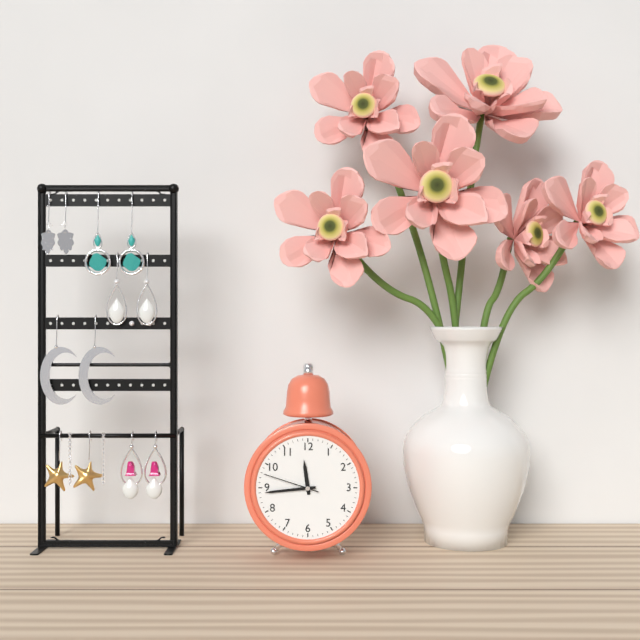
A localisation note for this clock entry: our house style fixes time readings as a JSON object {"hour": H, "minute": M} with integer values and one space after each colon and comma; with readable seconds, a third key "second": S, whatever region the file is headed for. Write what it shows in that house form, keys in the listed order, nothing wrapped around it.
{"hour": 11, "minute": 44, "second": 48}
